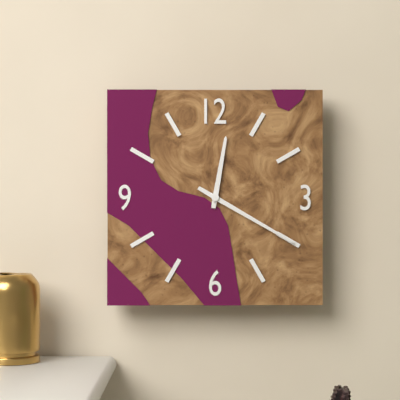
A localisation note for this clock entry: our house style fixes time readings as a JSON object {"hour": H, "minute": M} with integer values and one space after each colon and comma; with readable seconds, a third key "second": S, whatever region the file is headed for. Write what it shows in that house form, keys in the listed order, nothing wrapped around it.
{"hour": 12, "minute": 20}
